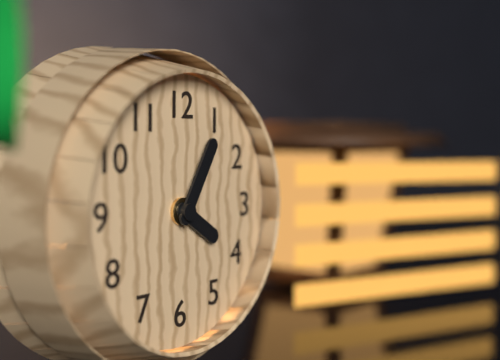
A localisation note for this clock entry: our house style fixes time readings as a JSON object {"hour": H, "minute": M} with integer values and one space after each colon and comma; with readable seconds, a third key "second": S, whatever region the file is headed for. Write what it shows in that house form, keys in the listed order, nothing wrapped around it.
{"hour": 4, "minute": 5}
